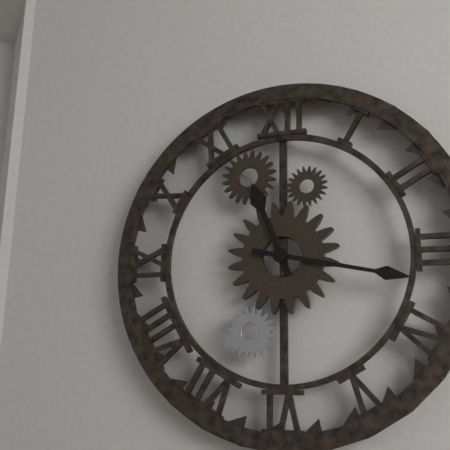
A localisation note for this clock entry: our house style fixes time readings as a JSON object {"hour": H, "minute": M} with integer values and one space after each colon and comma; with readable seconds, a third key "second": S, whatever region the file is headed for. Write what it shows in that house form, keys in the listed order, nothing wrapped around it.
{"hour": 11, "minute": 17}
